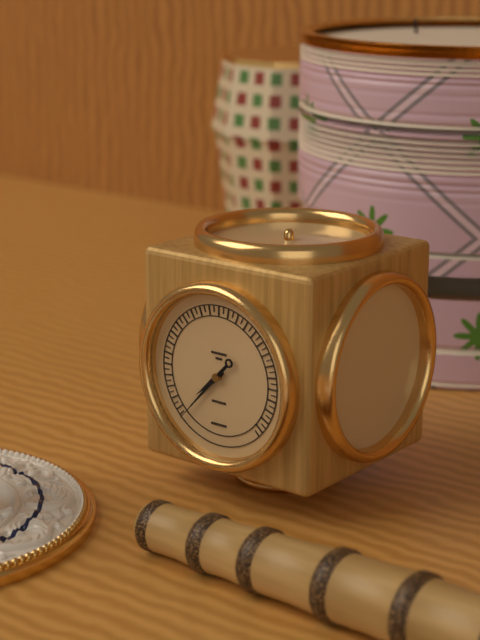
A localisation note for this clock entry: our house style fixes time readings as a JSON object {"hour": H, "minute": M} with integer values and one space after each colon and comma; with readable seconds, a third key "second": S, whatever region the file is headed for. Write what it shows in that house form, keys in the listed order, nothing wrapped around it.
{"hour": 7, "minute": 37}
